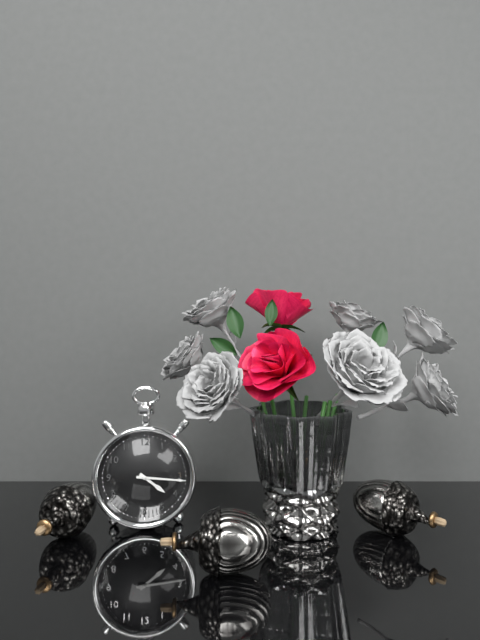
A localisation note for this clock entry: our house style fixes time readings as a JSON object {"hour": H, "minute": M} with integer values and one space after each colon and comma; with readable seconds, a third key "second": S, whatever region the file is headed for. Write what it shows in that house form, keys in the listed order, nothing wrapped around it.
{"hour": 4, "minute": 16}
